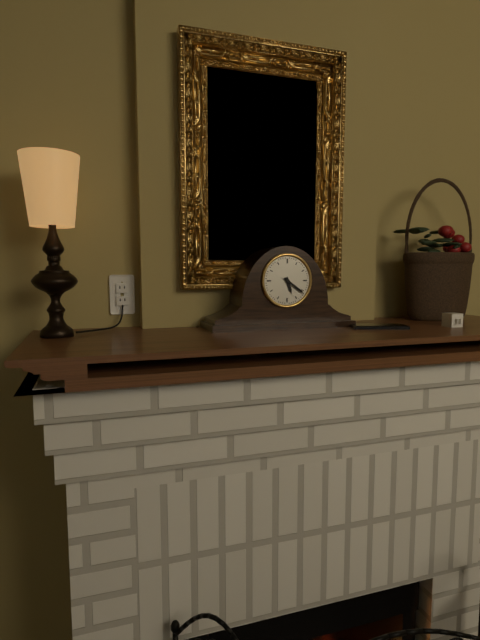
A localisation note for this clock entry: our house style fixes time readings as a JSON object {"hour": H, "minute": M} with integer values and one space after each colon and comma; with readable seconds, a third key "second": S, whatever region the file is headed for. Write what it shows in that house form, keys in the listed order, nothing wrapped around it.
{"hour": 5, "minute": 21}
